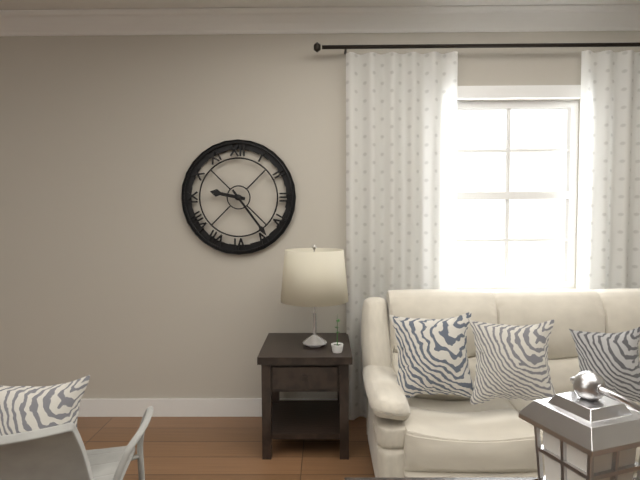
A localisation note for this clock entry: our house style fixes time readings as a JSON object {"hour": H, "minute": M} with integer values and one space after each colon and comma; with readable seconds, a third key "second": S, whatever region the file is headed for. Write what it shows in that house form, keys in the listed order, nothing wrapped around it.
{"hour": 9, "minute": 24}
